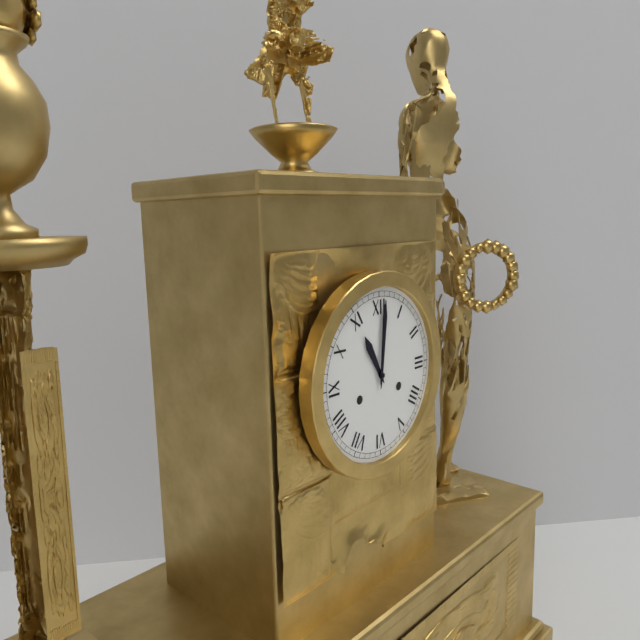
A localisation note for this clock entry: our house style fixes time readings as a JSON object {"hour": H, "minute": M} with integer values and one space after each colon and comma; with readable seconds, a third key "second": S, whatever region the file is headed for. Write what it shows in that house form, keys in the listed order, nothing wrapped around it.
{"hour": 11, "minute": 1}
